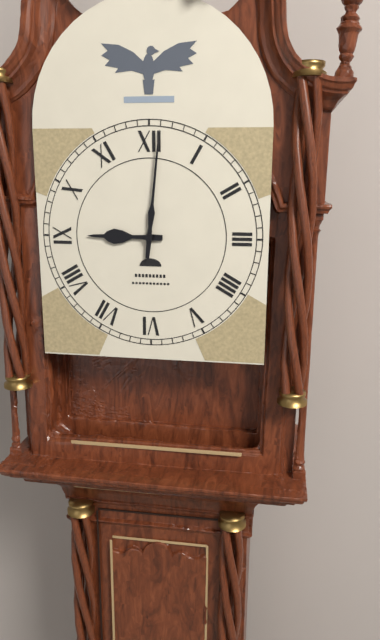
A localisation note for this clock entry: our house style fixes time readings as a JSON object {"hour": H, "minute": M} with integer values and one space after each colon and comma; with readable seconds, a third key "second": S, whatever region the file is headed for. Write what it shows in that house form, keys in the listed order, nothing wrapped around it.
{"hour": 9, "minute": 1}
